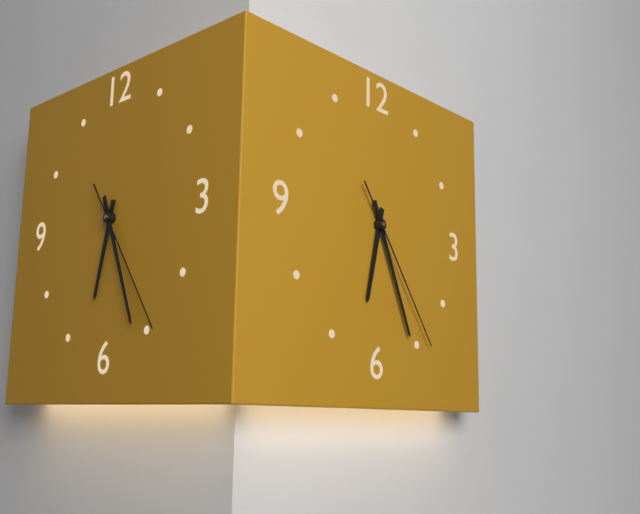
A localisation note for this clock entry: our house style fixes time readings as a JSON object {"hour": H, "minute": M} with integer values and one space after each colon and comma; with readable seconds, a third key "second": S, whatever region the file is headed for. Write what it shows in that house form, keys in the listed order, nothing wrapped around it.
{"hour": 6, "minute": 26, "second": 24}
